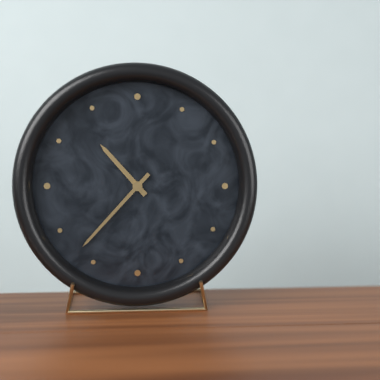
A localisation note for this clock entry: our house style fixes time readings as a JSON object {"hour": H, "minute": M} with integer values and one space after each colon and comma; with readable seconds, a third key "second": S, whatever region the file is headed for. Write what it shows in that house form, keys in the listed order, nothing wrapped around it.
{"hour": 10, "minute": 37}
